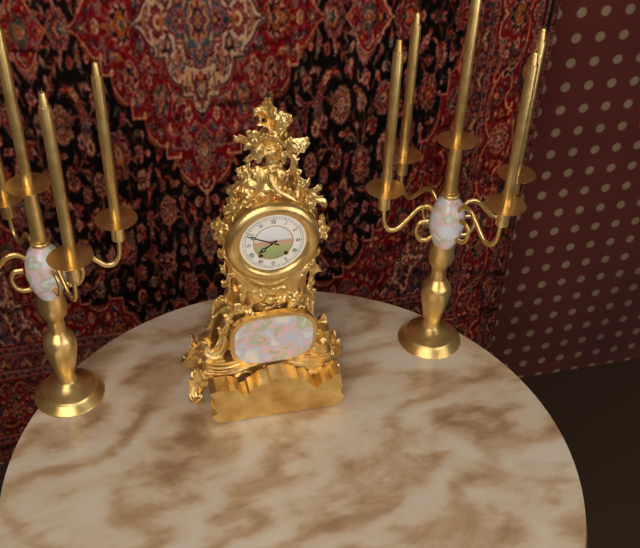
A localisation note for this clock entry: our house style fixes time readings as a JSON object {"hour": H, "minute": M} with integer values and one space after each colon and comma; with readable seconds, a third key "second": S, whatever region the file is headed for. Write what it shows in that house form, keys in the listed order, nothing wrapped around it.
{"hour": 7, "minute": 49}
